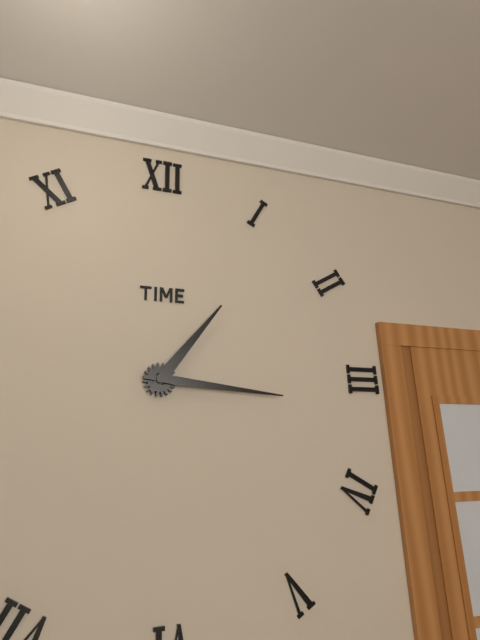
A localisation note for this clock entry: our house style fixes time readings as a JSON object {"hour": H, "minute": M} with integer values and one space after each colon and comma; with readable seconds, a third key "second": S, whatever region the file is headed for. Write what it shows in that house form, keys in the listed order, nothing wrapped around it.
{"hour": 1, "minute": 16}
